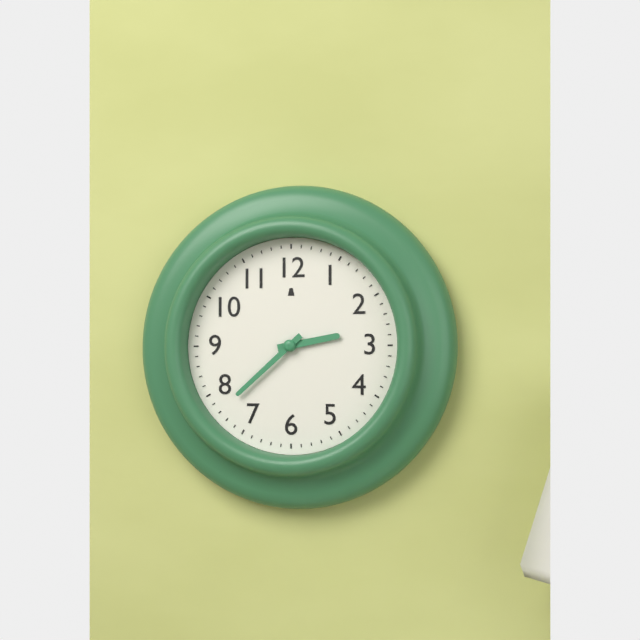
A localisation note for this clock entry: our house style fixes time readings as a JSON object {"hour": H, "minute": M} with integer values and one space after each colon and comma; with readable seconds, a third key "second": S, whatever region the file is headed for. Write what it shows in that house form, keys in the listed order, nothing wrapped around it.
{"hour": 2, "minute": 38}
